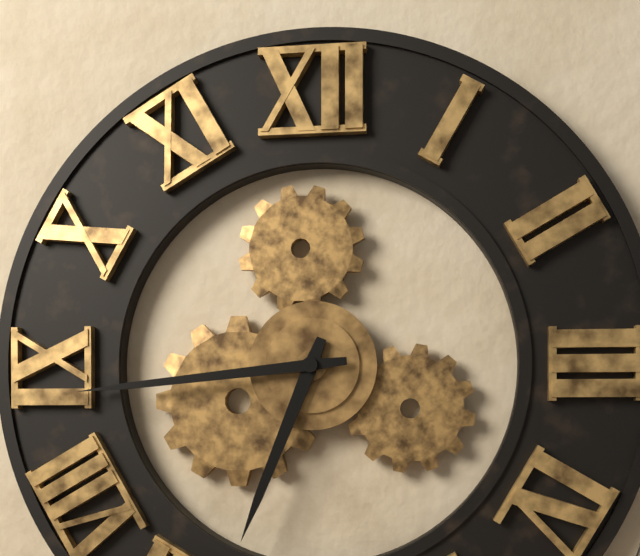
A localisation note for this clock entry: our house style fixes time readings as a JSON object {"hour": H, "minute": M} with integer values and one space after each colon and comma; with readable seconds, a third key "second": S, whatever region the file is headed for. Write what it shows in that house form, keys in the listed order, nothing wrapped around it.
{"hour": 6, "minute": 44}
